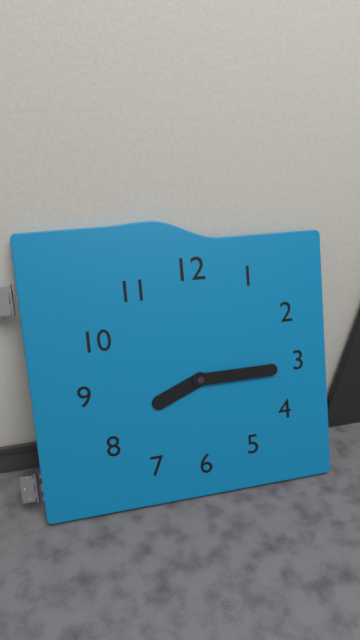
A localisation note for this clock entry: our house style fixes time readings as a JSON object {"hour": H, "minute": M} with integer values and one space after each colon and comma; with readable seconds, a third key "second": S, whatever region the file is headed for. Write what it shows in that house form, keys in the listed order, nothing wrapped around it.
{"hour": 8, "minute": 15}
